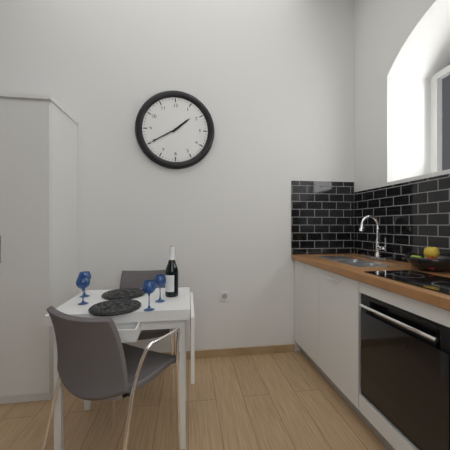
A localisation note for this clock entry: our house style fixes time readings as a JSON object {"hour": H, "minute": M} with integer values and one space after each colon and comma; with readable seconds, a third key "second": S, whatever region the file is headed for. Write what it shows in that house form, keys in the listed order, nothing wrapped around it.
{"hour": 1, "minute": 40}
